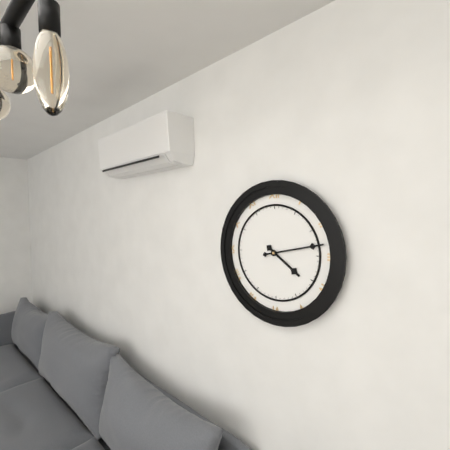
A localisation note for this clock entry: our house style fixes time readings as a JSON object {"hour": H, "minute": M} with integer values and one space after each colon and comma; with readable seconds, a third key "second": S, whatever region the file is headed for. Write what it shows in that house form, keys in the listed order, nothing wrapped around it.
{"hour": 4, "minute": 13}
